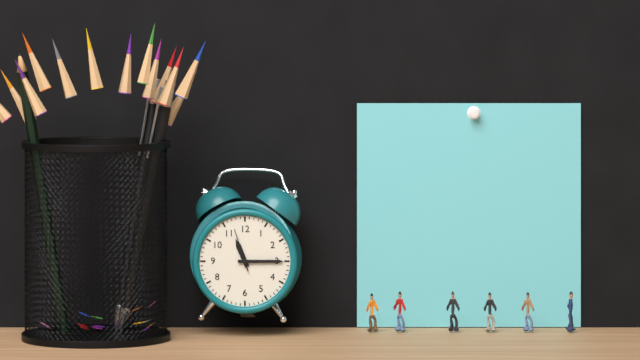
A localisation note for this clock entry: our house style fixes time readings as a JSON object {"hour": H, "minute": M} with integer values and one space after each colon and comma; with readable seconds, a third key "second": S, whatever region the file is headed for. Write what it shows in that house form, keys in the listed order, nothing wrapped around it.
{"hour": 11, "minute": 15}
